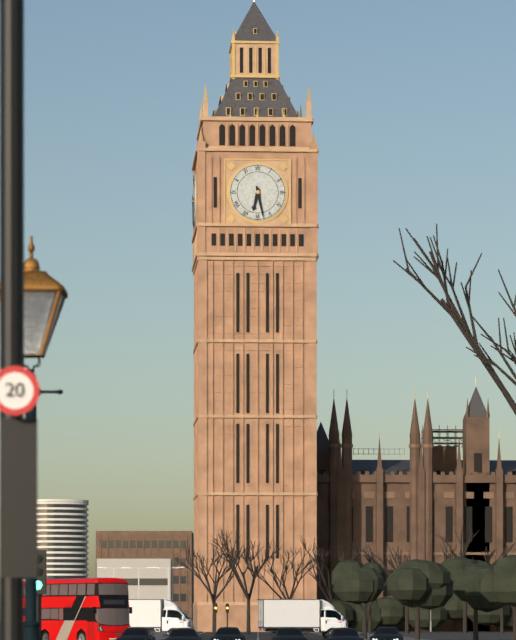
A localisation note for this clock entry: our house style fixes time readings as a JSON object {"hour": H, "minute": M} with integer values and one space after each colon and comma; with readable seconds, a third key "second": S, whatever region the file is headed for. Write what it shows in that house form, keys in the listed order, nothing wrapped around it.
{"hour": 6, "minute": 28}
